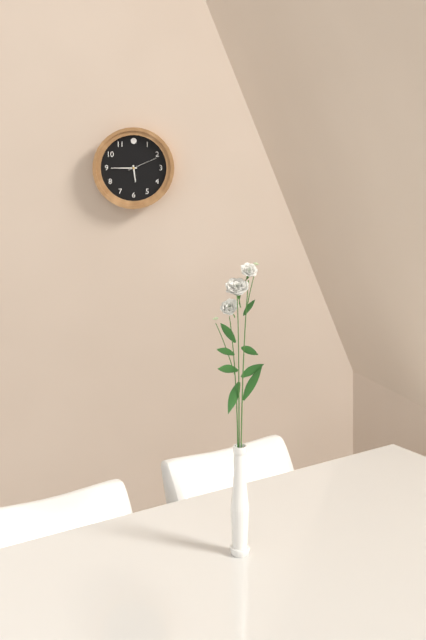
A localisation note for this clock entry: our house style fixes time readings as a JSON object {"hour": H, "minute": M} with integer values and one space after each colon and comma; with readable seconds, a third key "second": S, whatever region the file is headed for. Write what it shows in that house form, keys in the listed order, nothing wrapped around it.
{"hour": 5, "minute": 45}
